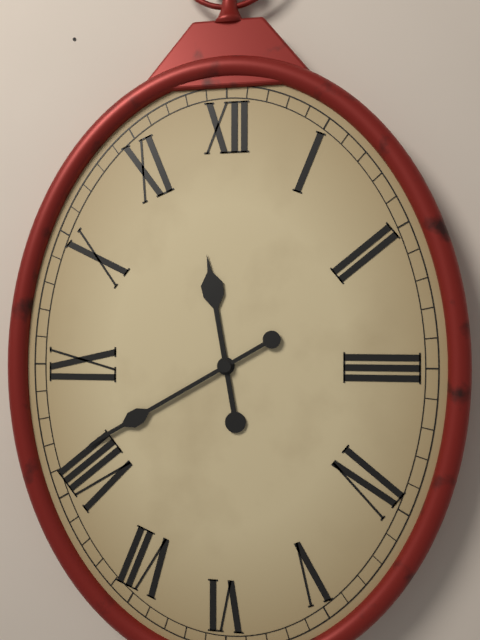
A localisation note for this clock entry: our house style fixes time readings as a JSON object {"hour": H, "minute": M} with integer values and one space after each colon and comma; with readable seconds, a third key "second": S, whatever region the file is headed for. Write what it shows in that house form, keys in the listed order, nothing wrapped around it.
{"hour": 11, "minute": 40}
